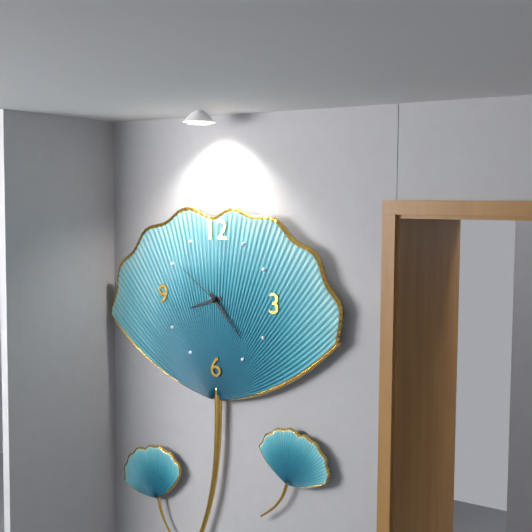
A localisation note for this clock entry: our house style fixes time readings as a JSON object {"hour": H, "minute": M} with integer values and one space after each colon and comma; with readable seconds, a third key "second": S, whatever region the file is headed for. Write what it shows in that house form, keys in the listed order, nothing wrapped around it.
{"hour": 8, "minute": 23, "second": 51}
